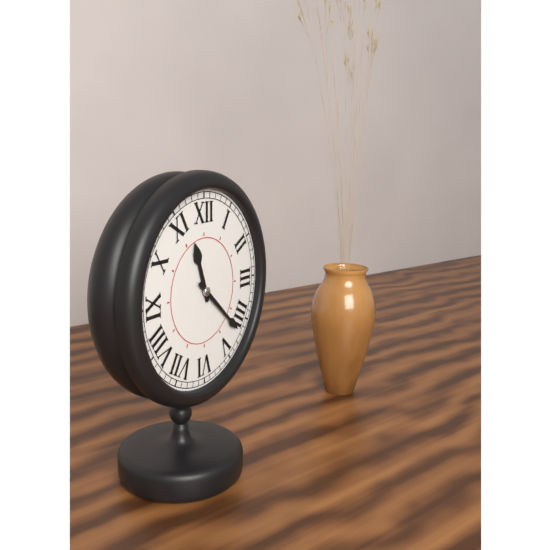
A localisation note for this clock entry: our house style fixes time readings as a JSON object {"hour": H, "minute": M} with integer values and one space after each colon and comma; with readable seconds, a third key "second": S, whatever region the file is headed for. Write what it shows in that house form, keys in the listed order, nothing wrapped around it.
{"hour": 11, "minute": 22}
